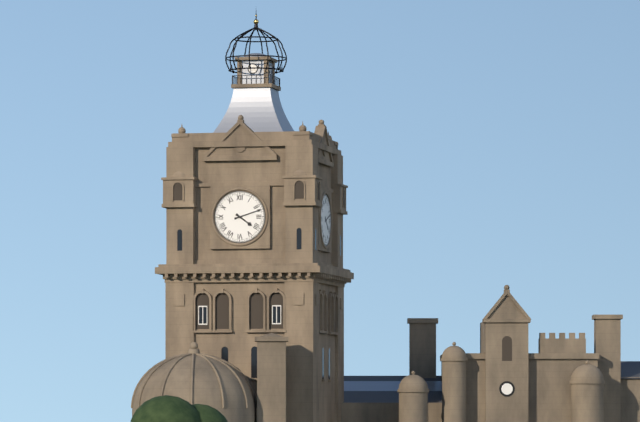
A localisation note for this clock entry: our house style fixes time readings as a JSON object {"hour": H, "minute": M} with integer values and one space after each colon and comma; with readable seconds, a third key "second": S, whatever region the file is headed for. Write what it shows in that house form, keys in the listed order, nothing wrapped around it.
{"hour": 4, "minute": 12}
